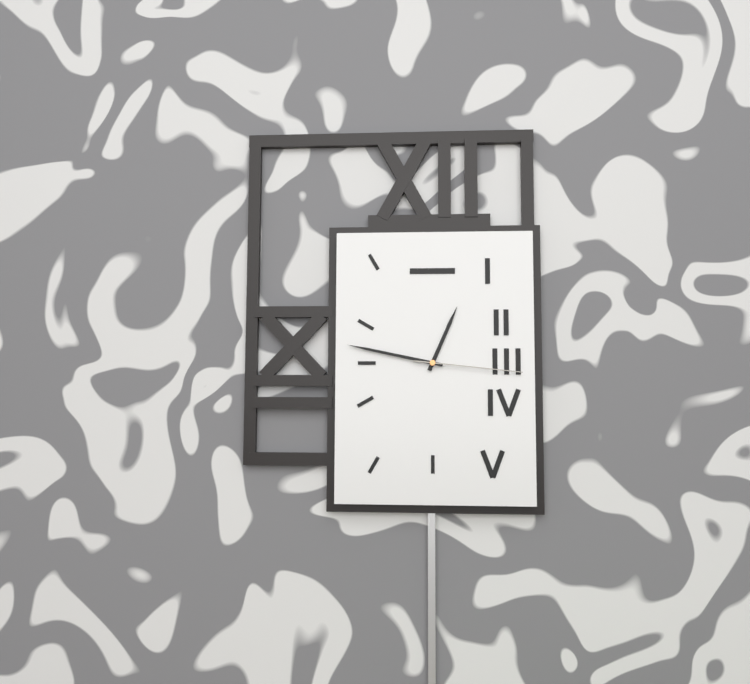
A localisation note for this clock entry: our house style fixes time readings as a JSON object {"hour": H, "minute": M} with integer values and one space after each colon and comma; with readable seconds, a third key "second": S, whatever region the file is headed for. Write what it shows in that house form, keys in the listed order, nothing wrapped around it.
{"hour": 12, "minute": 47, "second": 16}
